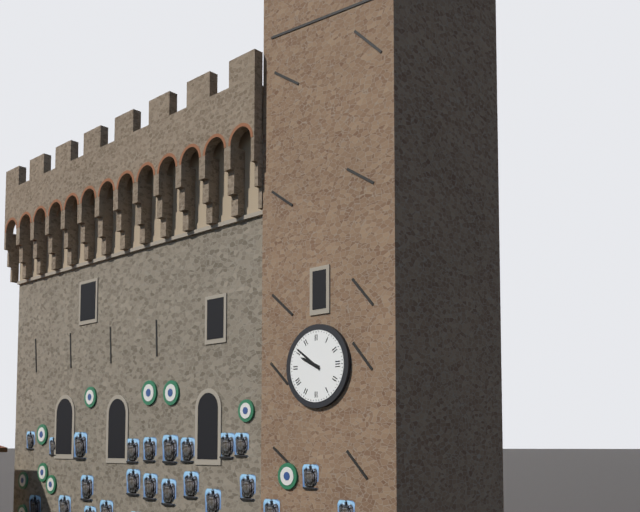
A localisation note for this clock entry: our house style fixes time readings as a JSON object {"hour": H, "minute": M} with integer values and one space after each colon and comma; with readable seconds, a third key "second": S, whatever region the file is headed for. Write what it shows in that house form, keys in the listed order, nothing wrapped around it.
{"hour": 9, "minute": 51}
